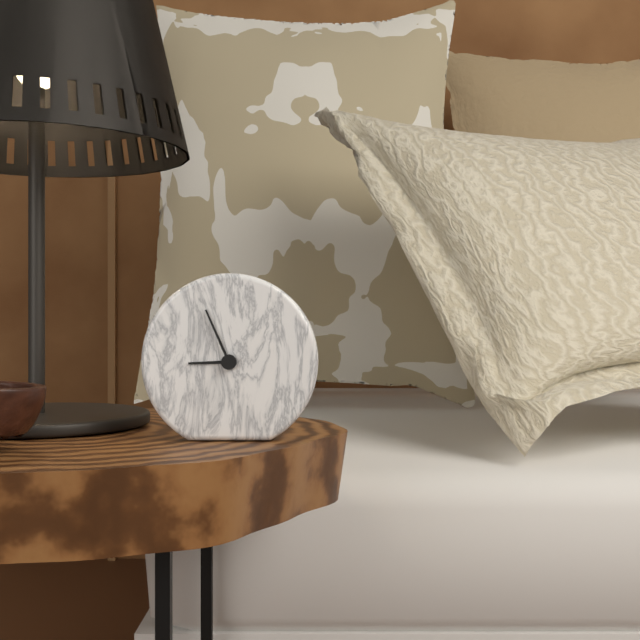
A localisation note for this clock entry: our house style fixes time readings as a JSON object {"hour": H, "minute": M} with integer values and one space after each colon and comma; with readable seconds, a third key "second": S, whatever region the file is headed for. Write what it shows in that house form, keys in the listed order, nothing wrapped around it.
{"hour": 8, "minute": 56}
